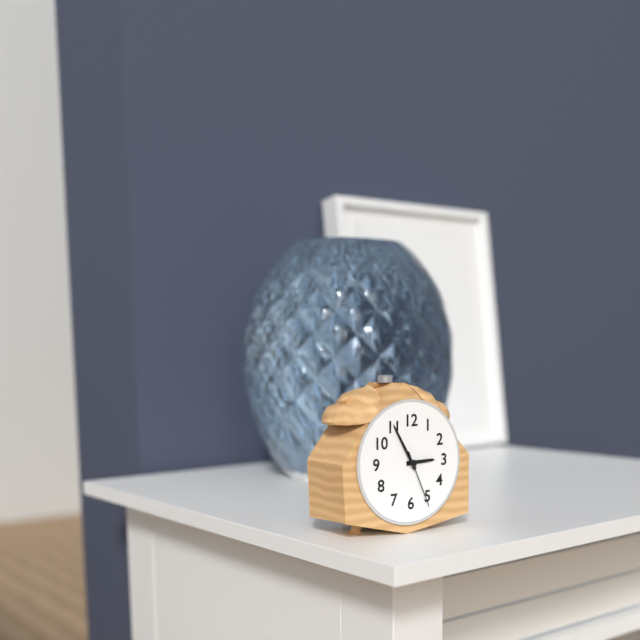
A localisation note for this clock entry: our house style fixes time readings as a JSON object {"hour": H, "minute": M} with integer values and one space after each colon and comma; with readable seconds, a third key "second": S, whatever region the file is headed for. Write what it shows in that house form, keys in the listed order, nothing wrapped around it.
{"hour": 2, "minute": 55, "second": 26}
